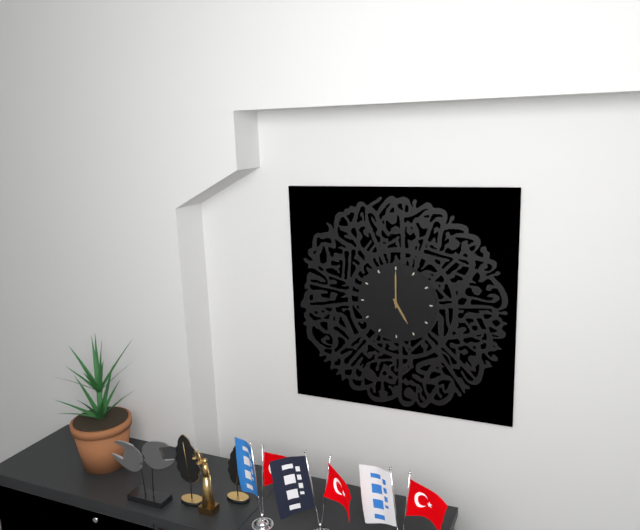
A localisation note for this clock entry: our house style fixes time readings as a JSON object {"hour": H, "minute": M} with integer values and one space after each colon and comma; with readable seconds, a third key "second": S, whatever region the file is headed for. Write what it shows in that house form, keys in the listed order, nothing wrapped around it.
{"hour": 5, "minute": 0}
